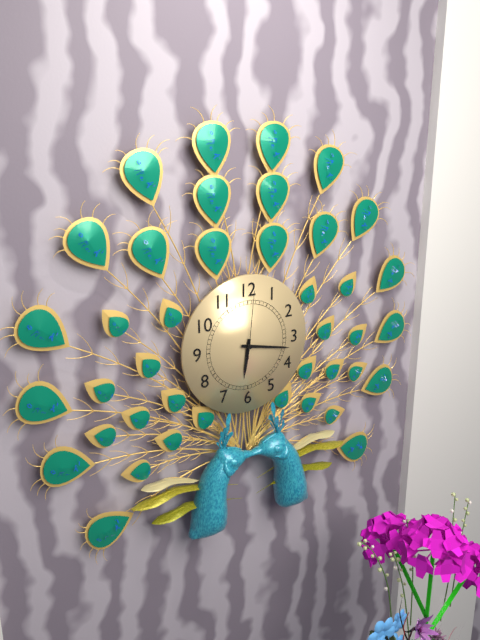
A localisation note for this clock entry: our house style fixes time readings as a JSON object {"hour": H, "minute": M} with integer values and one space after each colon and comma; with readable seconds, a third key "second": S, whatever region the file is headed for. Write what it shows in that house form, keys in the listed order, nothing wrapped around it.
{"hour": 6, "minute": 17, "second": 1}
